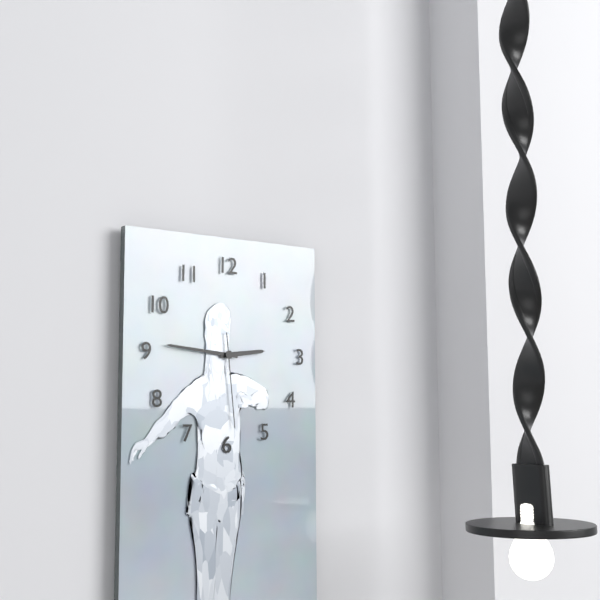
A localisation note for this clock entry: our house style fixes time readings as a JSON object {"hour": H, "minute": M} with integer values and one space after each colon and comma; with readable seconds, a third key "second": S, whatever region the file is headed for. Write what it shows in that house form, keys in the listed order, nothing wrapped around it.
{"hour": 2, "minute": 46, "second": 29}
